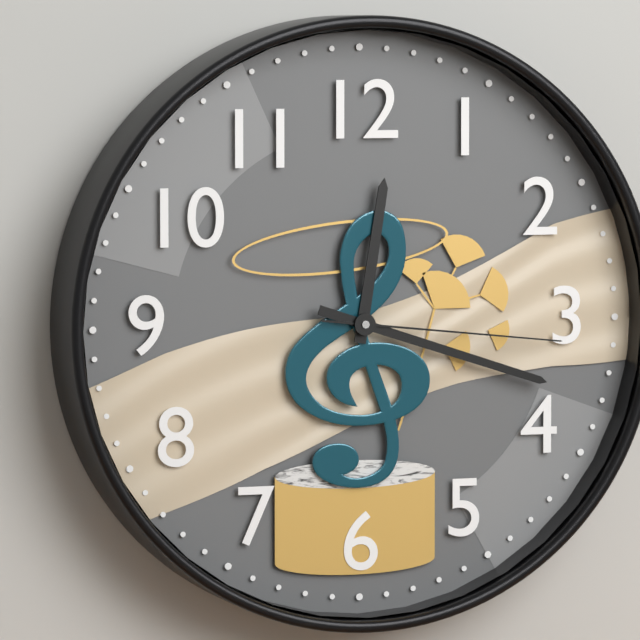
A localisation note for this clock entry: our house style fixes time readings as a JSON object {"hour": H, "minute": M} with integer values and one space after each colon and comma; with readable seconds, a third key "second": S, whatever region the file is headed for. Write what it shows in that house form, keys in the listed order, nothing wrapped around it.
{"hour": 12, "minute": 18, "second": 16}
